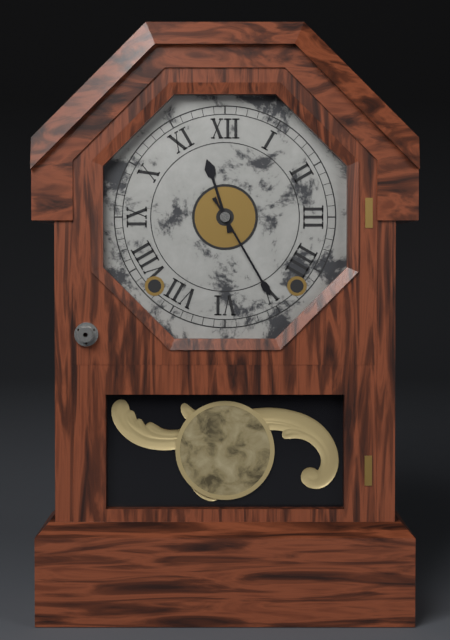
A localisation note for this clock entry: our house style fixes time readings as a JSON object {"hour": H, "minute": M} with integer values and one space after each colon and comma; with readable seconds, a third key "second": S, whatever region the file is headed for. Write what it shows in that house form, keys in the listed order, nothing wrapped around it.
{"hour": 11, "minute": 25}
